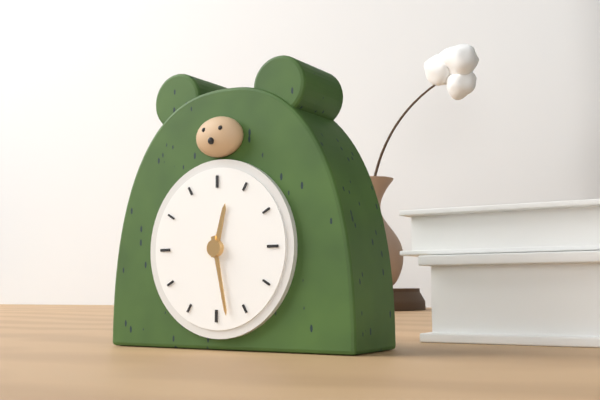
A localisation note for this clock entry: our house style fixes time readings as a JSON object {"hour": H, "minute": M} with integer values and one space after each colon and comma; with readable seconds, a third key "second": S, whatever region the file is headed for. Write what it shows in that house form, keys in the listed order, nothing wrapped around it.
{"hour": 12, "minute": 28}
